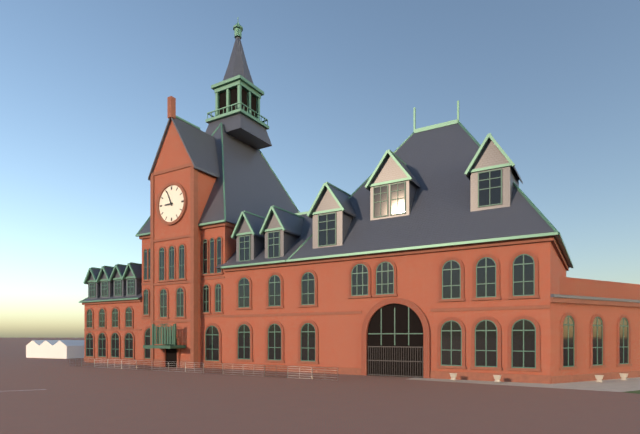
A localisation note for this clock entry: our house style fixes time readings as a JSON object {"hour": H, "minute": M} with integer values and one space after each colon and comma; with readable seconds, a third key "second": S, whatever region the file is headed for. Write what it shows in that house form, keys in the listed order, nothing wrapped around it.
{"hour": 8, "minute": 56}
